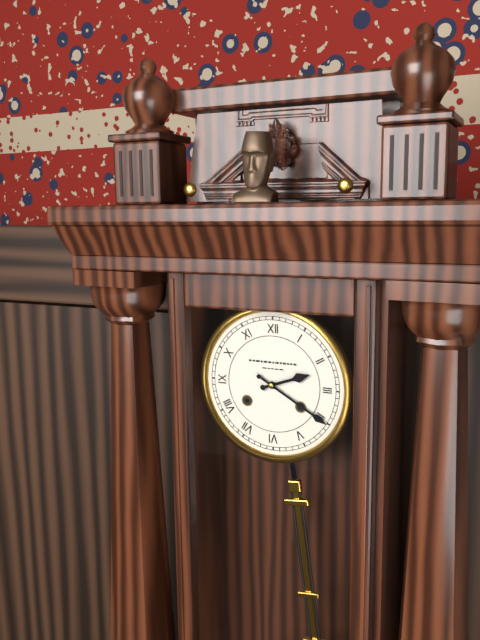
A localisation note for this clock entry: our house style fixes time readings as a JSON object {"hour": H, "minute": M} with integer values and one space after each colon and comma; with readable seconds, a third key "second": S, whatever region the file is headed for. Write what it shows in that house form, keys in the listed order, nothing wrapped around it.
{"hour": 2, "minute": 20}
